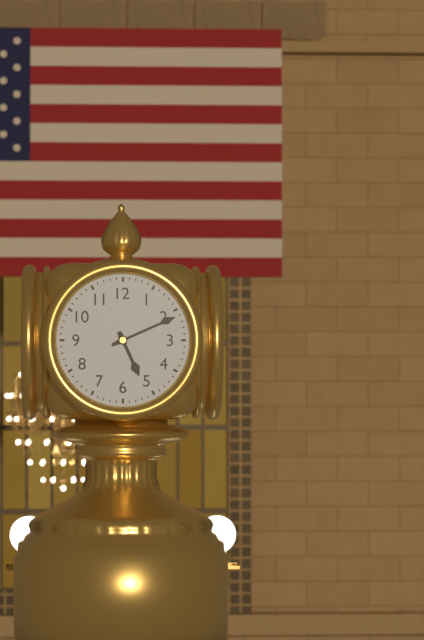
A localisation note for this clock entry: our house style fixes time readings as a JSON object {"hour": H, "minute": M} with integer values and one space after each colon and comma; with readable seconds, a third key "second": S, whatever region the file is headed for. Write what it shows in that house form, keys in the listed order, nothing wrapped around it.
{"hour": 5, "minute": 11}
